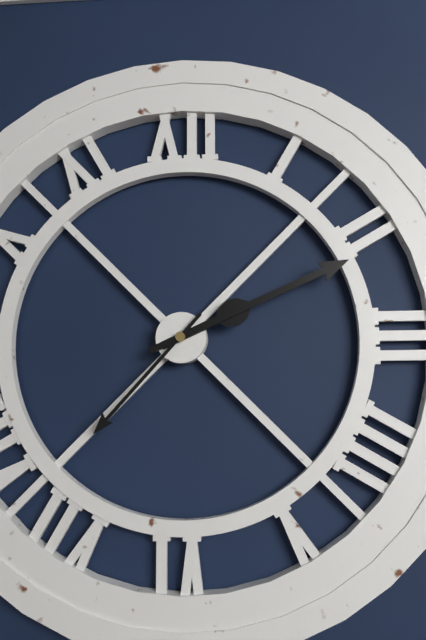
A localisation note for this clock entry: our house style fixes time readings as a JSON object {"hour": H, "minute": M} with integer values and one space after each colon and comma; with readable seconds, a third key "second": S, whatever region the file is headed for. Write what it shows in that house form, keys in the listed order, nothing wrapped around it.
{"hour": 2, "minute": 11, "second": 37}
